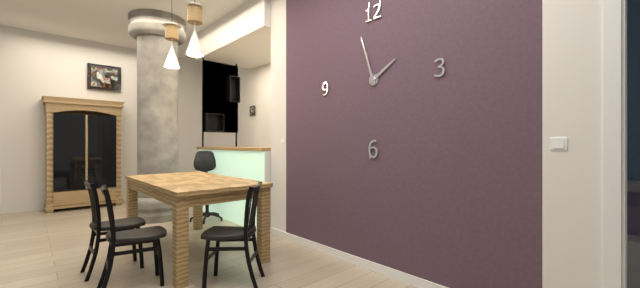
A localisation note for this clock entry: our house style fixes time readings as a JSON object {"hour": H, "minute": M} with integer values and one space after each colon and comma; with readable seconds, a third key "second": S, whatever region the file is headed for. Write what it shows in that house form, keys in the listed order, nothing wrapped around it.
{"hour": 1, "minute": 57}
